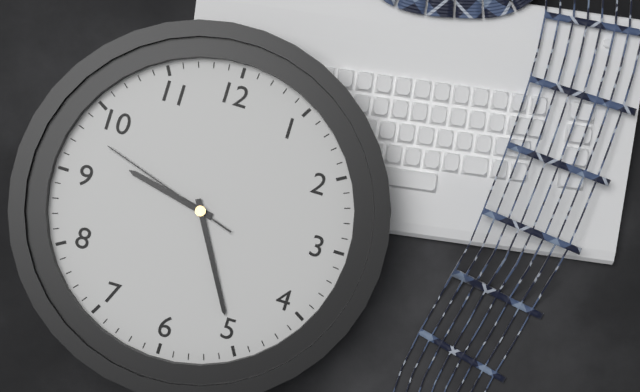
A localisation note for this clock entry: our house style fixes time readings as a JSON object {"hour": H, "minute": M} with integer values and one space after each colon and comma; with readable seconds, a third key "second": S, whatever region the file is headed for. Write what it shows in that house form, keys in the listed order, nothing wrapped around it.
{"hour": 9, "minute": 25, "second": 48}
